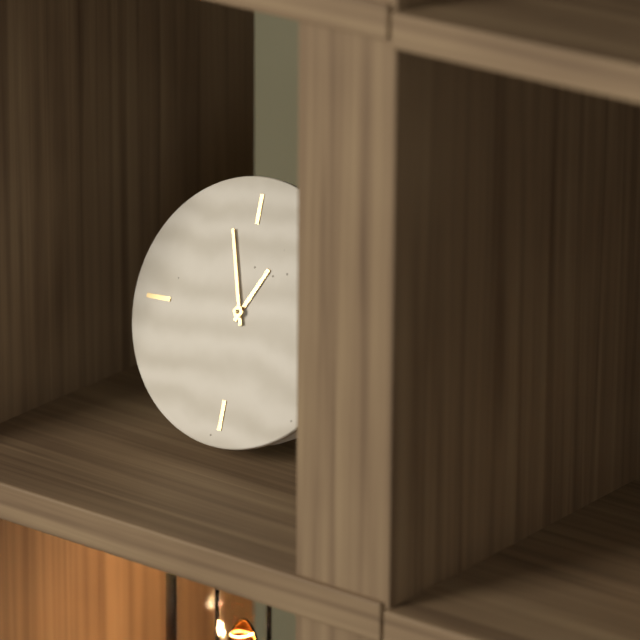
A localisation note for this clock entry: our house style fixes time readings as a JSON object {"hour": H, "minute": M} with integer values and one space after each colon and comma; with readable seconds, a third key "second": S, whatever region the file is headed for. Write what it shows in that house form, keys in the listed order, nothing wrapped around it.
{"hour": 12, "minute": 57}
